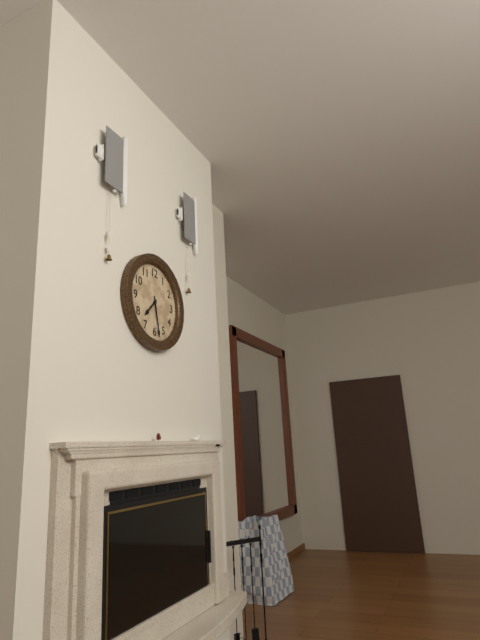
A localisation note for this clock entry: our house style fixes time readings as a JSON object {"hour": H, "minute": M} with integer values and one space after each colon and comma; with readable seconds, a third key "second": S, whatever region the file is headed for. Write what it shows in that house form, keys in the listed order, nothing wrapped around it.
{"hour": 7, "minute": 28}
